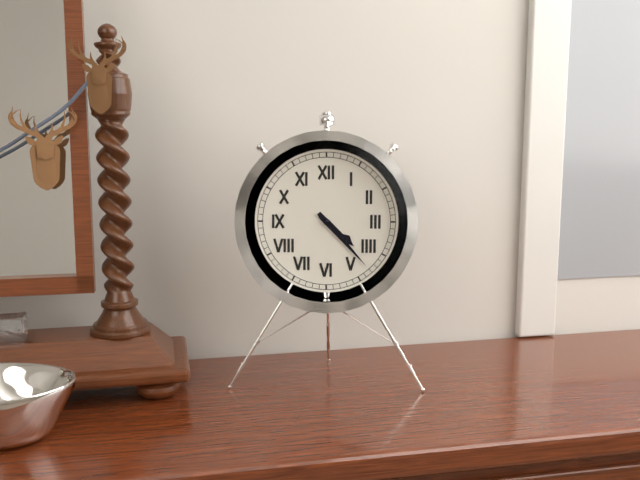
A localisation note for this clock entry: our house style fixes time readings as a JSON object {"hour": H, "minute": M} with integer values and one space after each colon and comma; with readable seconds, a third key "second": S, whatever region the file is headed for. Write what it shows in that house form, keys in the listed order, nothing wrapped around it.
{"hour": 4, "minute": 23}
